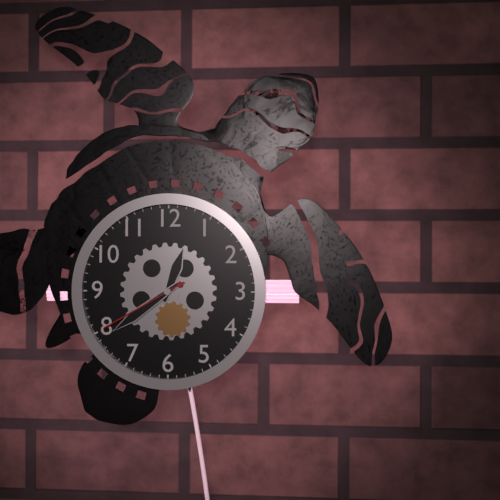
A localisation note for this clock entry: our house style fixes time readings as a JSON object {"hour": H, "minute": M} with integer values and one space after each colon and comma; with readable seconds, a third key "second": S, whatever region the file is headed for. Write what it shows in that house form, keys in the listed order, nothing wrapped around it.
{"hour": 12, "minute": 39, "second": 40}
